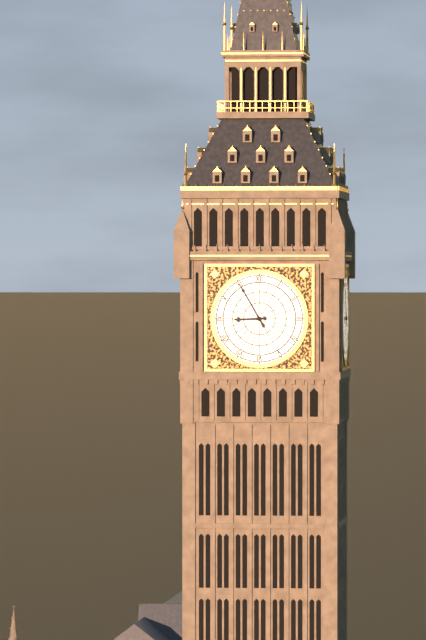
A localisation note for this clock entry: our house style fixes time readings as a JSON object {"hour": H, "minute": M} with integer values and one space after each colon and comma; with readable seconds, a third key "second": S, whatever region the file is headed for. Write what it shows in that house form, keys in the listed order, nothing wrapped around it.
{"hour": 8, "minute": 55}
